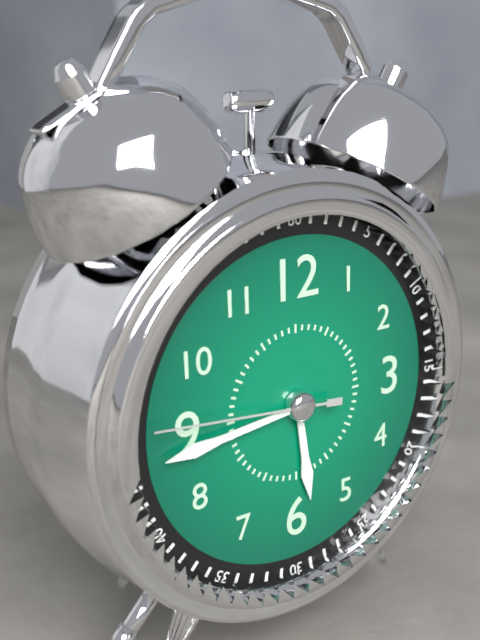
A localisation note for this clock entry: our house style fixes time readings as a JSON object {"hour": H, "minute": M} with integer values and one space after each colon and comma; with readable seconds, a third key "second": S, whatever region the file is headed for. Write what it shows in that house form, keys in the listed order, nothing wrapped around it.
{"hour": 5, "minute": 44, "second": 46}
